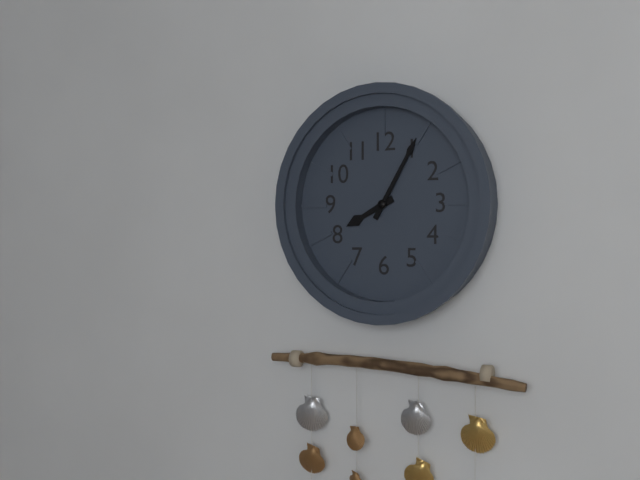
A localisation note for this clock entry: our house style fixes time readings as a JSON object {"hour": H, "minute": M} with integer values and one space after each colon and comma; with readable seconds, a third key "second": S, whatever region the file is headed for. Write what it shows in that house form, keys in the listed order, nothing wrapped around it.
{"hour": 8, "minute": 5}
